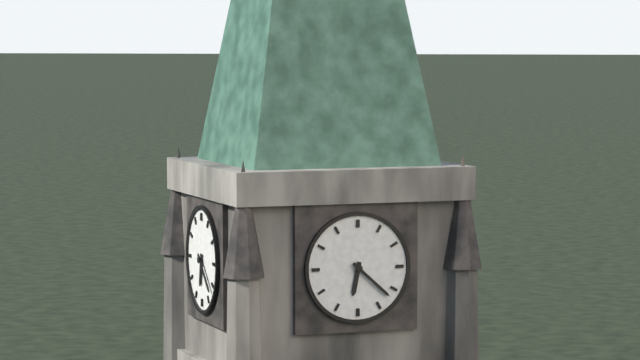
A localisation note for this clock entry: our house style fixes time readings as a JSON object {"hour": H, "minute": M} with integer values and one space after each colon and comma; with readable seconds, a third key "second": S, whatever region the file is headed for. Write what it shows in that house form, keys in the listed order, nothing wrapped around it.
{"hour": 6, "minute": 22}
